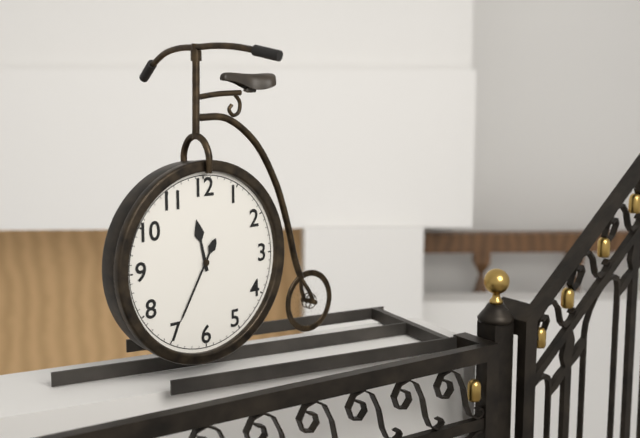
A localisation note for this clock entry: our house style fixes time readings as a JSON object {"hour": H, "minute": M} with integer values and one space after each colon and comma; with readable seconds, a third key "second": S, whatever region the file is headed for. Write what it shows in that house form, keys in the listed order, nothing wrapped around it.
{"hour": 11, "minute": 35}
